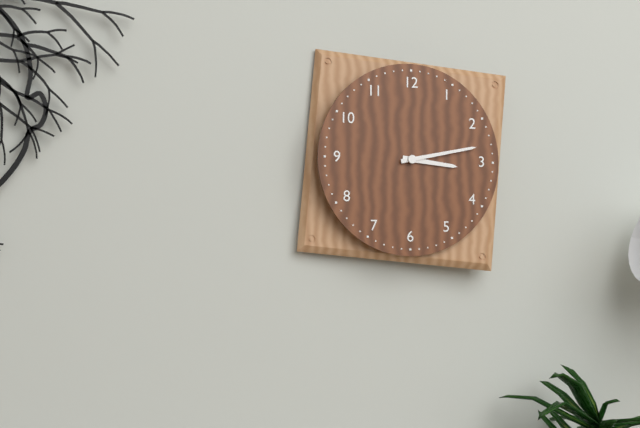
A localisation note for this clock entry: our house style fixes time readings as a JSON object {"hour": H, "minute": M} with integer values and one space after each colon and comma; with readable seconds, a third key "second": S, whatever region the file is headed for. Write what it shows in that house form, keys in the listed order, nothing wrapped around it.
{"hour": 3, "minute": 13}
